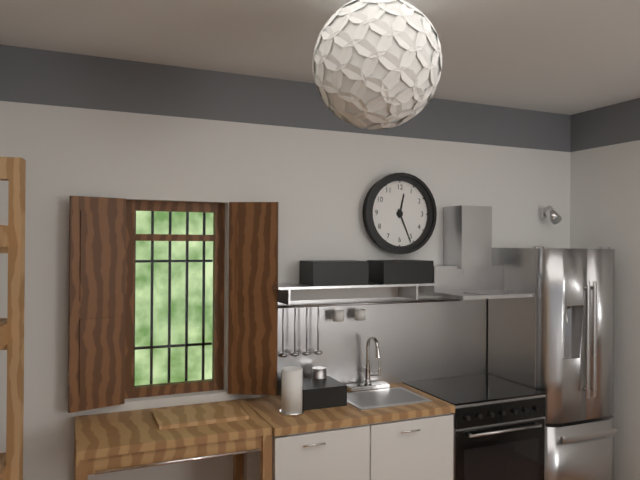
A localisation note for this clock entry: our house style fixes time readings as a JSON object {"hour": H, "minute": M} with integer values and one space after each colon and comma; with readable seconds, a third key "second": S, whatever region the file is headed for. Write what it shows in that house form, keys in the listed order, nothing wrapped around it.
{"hour": 12, "minute": 26}
